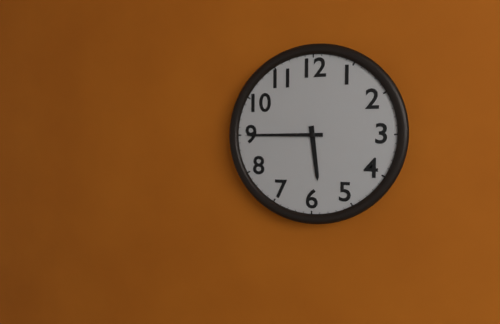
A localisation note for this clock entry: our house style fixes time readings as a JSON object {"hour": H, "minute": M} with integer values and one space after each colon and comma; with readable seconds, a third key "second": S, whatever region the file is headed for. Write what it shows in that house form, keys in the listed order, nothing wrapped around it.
{"hour": 5, "minute": 45}
